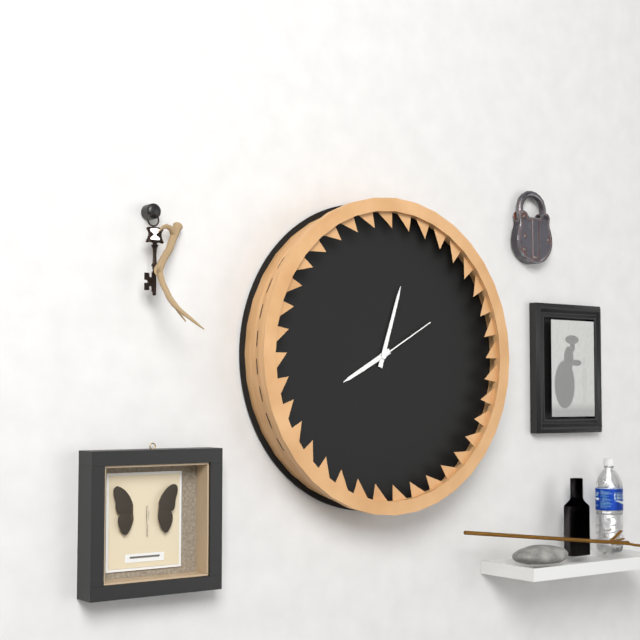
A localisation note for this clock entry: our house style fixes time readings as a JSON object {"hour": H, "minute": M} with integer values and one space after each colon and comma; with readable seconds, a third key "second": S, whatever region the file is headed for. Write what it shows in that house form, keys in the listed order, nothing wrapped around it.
{"hour": 8, "minute": 3, "second": 10}
